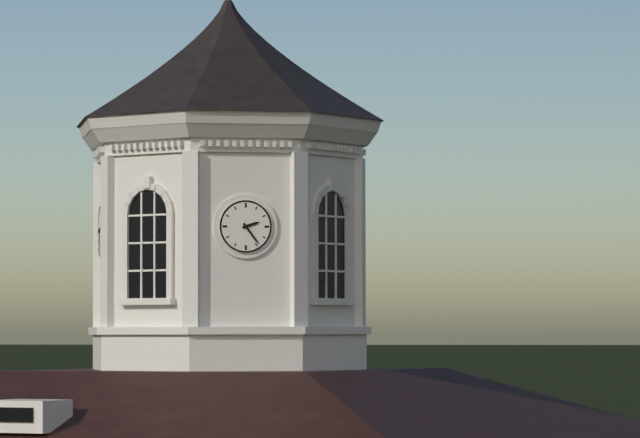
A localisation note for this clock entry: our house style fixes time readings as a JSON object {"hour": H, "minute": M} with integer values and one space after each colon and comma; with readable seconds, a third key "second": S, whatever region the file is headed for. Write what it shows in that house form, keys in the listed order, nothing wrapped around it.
{"hour": 2, "minute": 24}
